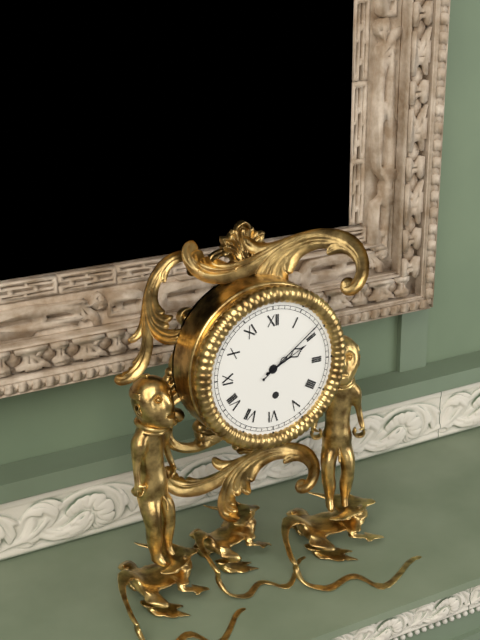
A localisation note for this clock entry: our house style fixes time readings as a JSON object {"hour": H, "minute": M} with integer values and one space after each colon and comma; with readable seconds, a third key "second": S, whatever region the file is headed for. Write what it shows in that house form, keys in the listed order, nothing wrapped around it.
{"hour": 2, "minute": 9}
